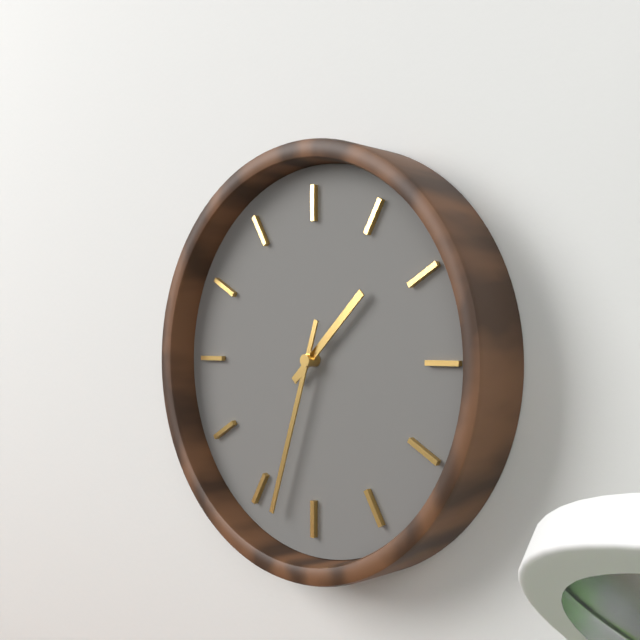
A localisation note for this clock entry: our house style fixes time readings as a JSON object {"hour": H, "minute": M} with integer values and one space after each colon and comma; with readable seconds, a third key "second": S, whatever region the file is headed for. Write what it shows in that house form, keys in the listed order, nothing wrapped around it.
{"hour": 1, "minute": 33}
